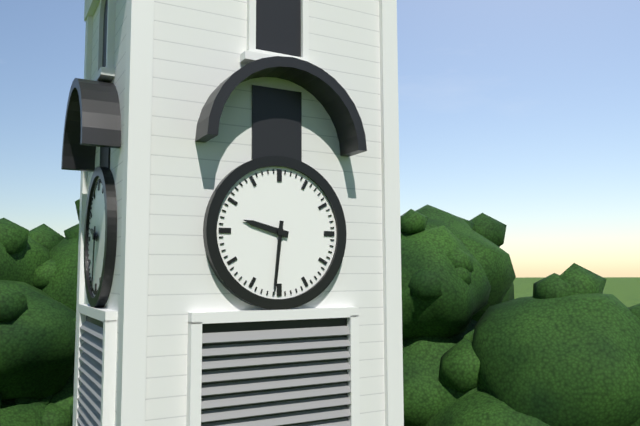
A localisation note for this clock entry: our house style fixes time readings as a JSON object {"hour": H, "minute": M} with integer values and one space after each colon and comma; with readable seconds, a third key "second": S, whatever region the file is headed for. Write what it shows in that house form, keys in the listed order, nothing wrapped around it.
{"hour": 9, "minute": 31}
